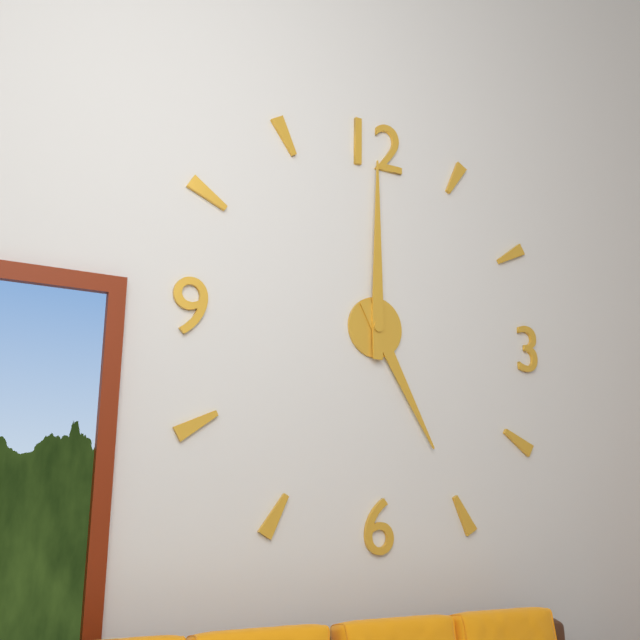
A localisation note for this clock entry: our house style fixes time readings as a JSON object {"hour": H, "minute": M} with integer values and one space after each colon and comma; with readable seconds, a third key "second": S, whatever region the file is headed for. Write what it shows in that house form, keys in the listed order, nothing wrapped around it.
{"hour": 5, "minute": 0}
